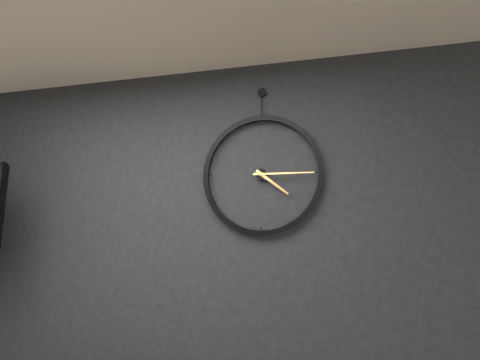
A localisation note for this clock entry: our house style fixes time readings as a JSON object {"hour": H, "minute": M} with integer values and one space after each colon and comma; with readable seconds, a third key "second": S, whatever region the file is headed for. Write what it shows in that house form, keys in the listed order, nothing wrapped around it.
{"hour": 4, "minute": 15}
